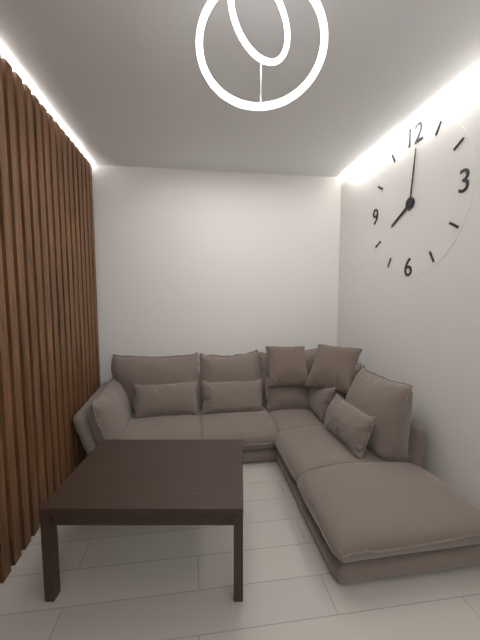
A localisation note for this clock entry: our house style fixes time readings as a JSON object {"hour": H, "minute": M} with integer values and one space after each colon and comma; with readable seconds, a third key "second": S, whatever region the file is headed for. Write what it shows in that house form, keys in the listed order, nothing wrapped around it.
{"hour": 8, "minute": 1}
